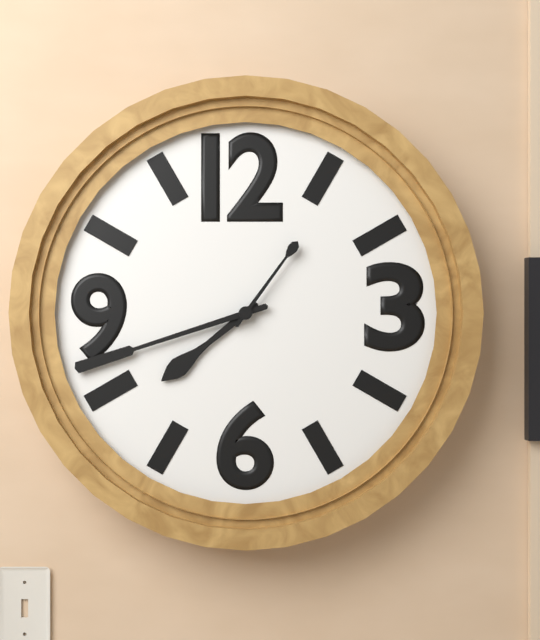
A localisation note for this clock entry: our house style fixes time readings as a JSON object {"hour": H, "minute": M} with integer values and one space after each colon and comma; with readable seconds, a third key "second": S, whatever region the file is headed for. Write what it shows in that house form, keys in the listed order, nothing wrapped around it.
{"hour": 7, "minute": 42, "second": 6}
